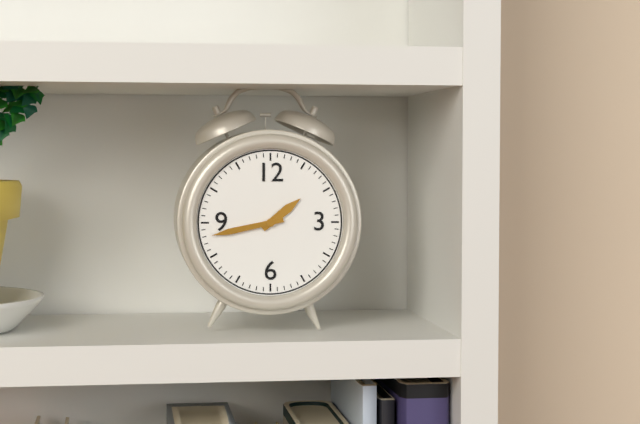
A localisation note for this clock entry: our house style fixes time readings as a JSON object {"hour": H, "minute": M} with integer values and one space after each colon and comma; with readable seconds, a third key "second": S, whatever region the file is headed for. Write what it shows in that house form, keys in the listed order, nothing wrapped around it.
{"hour": 1, "minute": 43}
